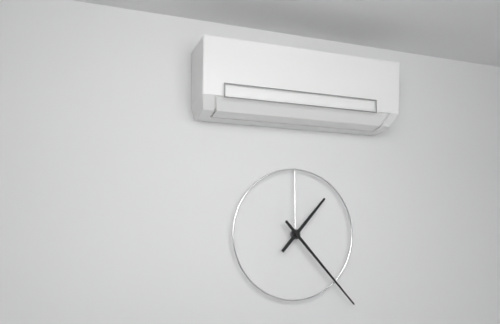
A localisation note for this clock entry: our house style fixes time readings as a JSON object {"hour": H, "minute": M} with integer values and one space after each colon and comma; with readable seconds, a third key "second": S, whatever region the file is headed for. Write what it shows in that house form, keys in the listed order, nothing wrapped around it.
{"hour": 1, "minute": 23}
